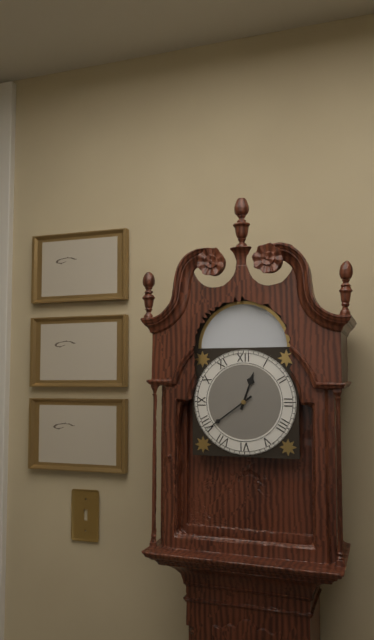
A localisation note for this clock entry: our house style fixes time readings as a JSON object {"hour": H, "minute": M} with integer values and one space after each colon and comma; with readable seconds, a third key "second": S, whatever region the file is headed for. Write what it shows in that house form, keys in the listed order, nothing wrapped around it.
{"hour": 12, "minute": 39}
